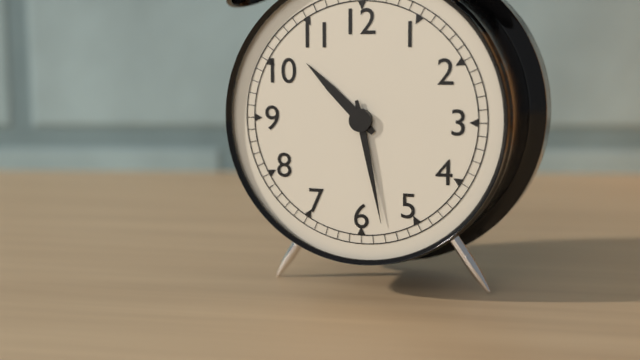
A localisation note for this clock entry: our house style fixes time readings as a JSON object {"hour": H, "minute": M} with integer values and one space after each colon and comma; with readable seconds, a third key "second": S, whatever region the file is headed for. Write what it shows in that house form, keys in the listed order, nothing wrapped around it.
{"hour": 10, "minute": 28}
